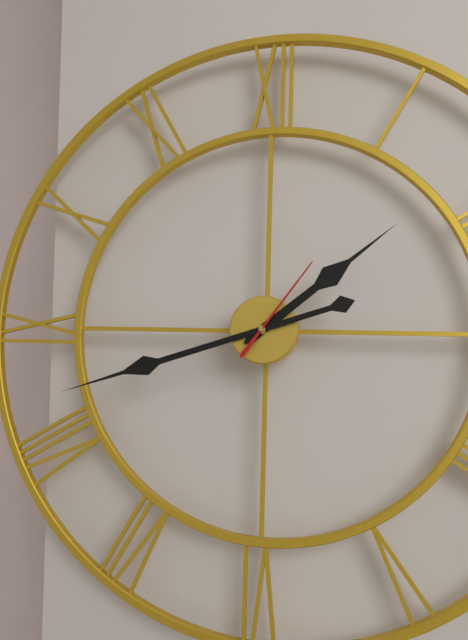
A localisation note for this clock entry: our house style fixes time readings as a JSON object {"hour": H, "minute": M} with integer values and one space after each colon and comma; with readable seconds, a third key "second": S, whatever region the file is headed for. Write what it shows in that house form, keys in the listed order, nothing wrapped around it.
{"hour": 1, "minute": 42, "second": 6}
